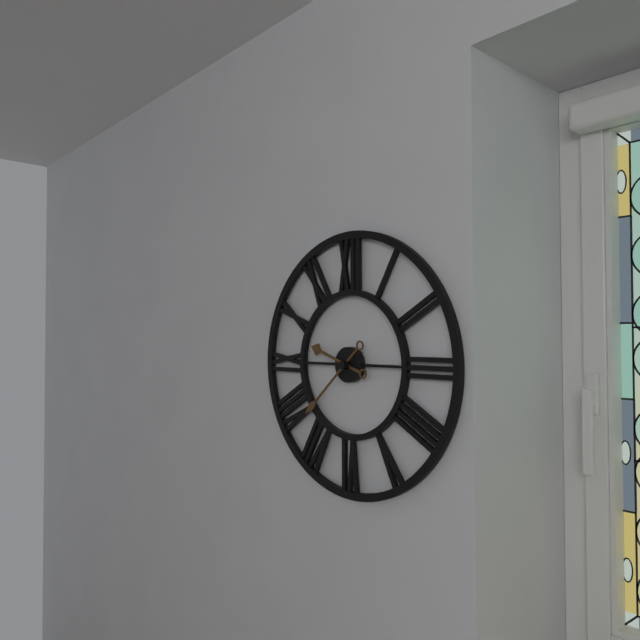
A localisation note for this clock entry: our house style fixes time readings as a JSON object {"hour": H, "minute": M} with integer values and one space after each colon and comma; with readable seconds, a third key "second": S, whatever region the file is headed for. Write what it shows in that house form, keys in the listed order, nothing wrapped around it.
{"hour": 9, "minute": 38}
